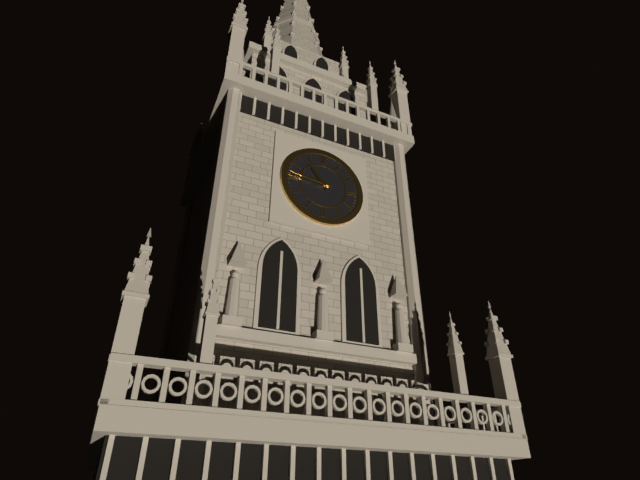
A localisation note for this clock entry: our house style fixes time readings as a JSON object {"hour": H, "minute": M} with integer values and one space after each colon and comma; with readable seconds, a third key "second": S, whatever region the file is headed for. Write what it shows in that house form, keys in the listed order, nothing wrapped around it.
{"hour": 10, "minute": 46}
